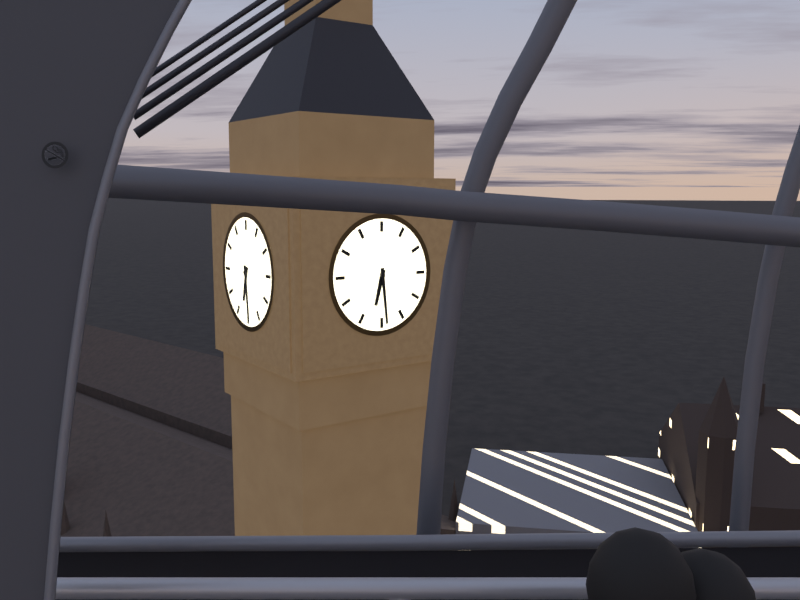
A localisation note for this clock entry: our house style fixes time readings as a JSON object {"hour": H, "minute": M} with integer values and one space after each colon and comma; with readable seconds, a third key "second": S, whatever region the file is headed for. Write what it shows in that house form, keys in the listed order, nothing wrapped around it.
{"hour": 6, "minute": 29}
